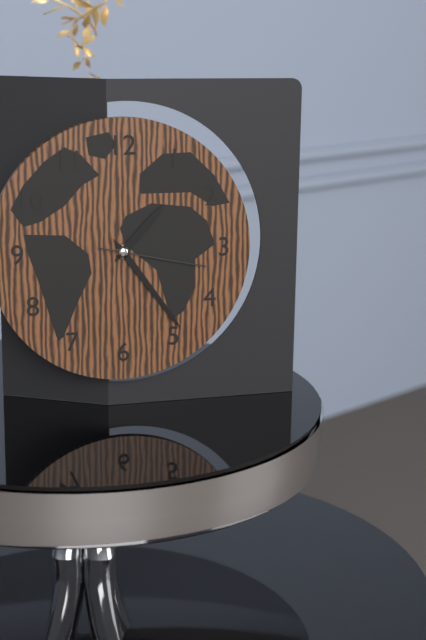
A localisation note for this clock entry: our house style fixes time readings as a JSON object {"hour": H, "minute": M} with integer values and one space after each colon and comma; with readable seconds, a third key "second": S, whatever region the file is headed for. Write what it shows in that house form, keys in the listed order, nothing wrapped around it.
{"hour": 1, "minute": 24, "second": 17}
